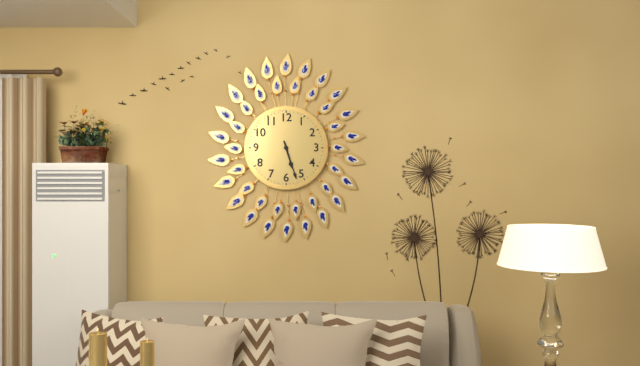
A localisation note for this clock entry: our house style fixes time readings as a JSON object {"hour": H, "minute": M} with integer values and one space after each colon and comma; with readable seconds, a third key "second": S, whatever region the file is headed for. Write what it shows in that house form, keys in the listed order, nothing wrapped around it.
{"hour": 5, "minute": 27}
